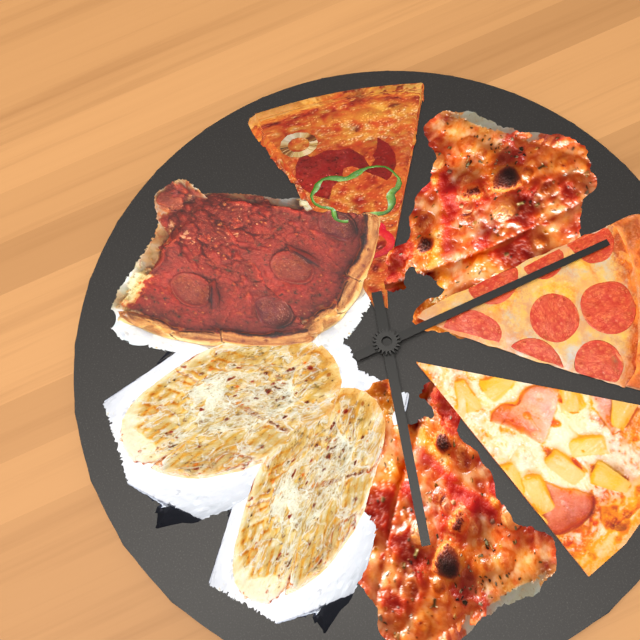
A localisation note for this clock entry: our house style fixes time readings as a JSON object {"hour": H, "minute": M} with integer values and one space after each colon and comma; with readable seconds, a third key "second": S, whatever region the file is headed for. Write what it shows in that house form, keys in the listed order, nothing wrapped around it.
{"hour": 9, "minute": 30}
